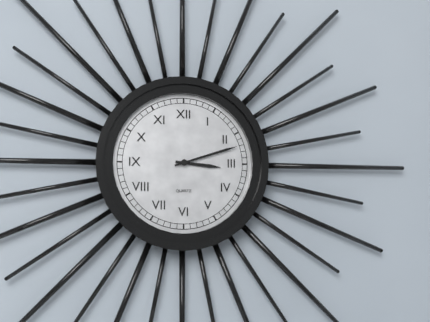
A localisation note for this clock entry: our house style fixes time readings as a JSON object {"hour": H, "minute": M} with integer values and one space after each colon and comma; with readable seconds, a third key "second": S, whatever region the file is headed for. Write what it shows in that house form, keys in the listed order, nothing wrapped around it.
{"hour": 3, "minute": 12}
